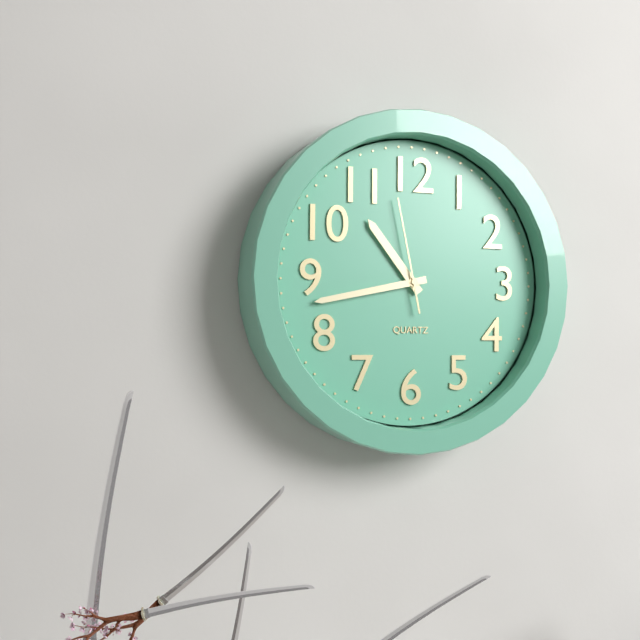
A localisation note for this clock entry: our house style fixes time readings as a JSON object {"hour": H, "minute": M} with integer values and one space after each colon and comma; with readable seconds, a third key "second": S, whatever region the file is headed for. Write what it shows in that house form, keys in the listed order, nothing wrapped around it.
{"hour": 10, "minute": 43, "second": 58}
